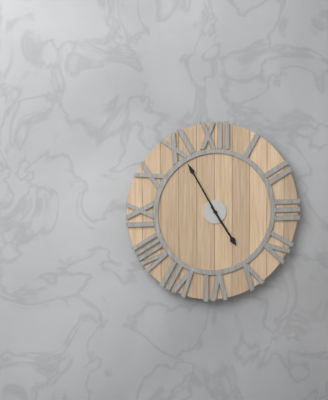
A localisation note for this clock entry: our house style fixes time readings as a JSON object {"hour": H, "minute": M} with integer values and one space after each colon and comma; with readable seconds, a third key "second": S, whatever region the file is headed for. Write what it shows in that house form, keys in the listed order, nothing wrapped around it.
{"hour": 4, "minute": 55}
